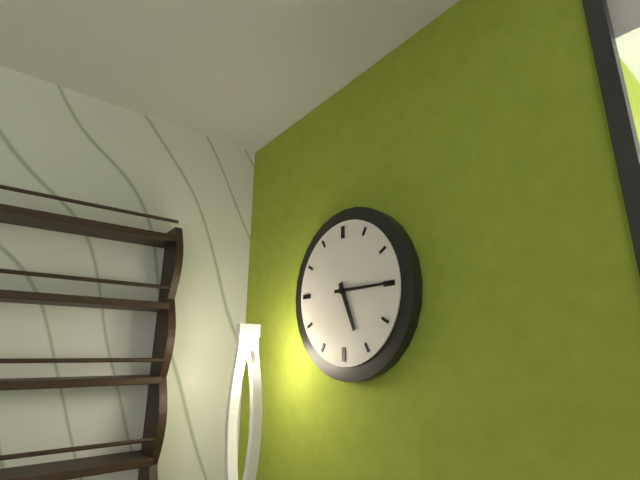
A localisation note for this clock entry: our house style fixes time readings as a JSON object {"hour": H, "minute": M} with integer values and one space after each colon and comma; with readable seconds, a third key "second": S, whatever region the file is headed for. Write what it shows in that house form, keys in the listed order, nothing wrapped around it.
{"hour": 5, "minute": 15}
